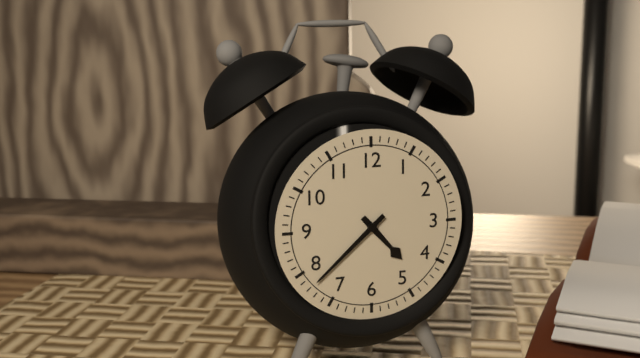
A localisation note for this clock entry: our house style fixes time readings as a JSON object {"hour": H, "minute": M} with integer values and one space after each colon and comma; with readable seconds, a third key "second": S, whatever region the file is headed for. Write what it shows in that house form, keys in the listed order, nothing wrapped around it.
{"hour": 4, "minute": 38}
